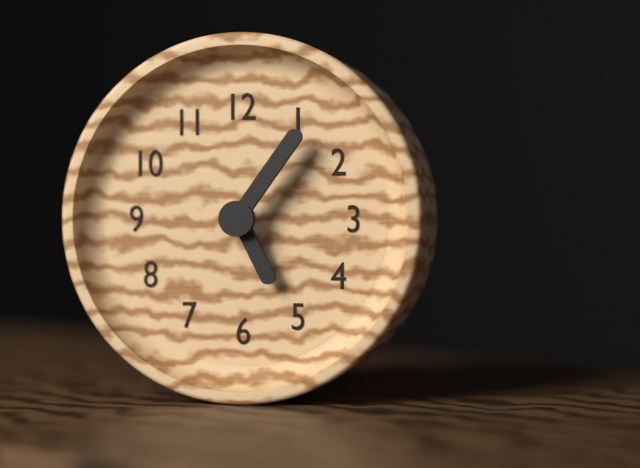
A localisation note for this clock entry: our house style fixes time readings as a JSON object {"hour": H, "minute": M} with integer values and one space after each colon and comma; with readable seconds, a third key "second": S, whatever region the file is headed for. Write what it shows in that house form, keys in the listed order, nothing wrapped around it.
{"hour": 5, "minute": 6}
